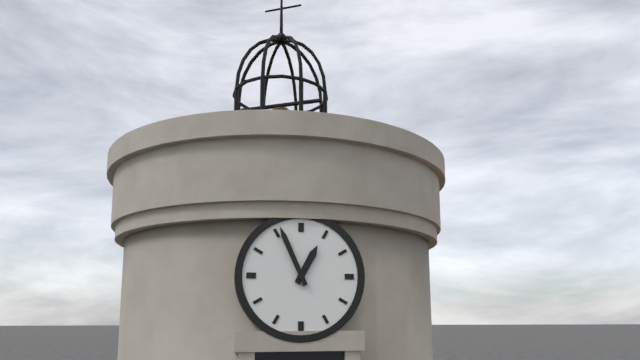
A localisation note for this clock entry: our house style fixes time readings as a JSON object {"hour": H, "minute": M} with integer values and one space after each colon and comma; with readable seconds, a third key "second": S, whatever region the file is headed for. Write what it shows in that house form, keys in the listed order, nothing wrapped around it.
{"hour": 12, "minute": 56}
